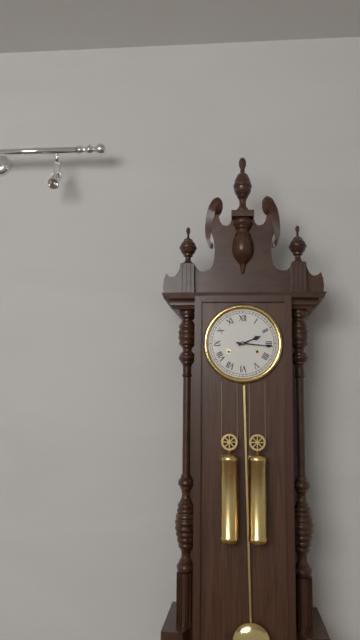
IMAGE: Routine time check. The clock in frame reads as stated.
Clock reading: 2:16
